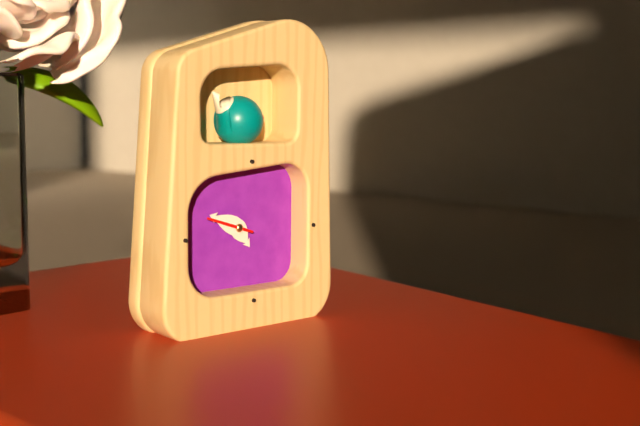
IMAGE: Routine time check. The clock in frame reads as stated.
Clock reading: 4:49
